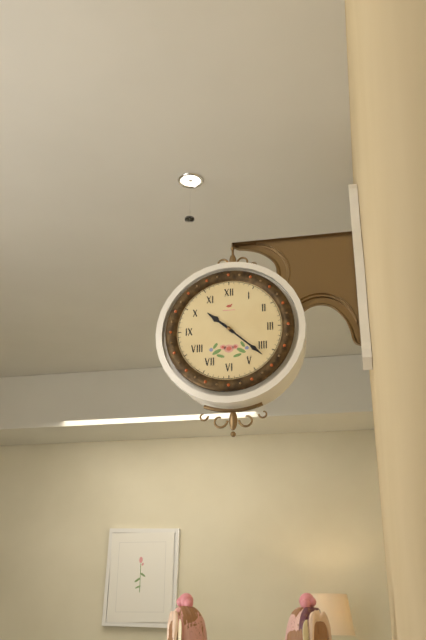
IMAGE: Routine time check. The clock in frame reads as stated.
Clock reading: 10:22
